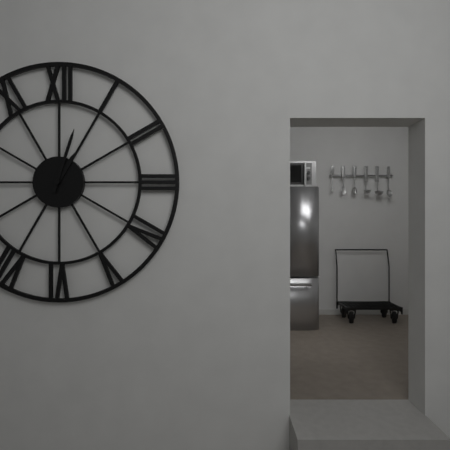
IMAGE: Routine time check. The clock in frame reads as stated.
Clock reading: 1:03
